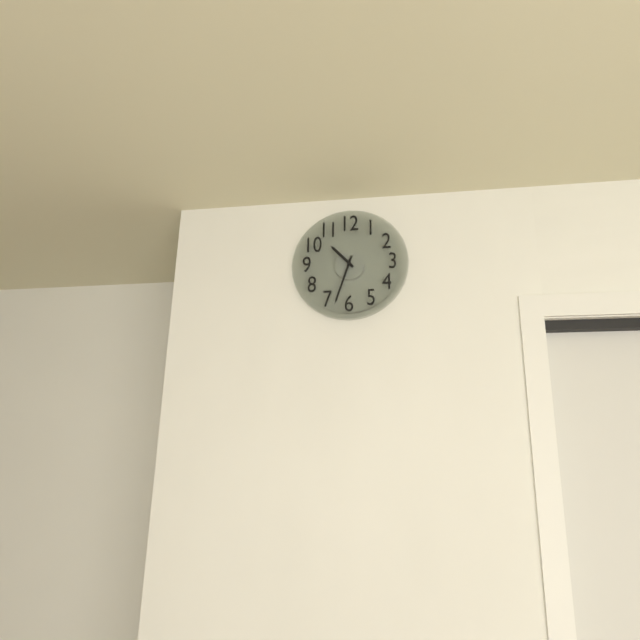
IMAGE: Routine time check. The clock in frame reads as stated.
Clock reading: 10:33
